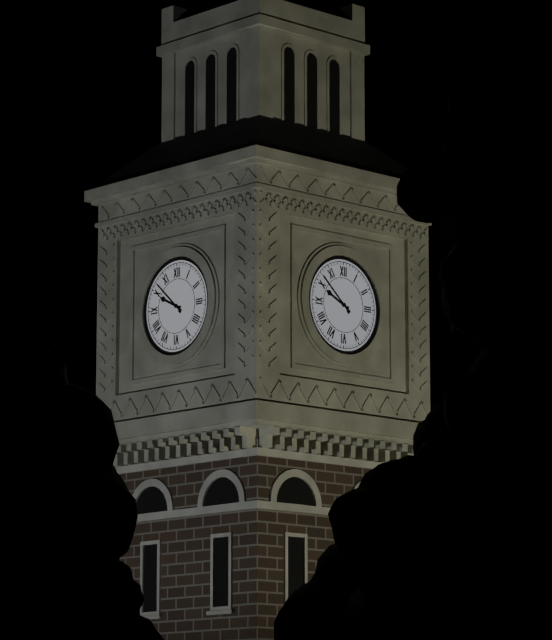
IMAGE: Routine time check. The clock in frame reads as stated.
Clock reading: 9:52
